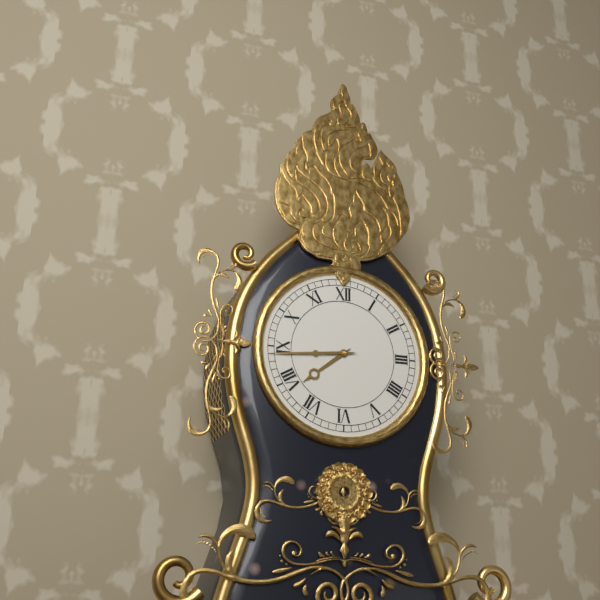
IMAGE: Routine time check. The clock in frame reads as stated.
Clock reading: 7:44
